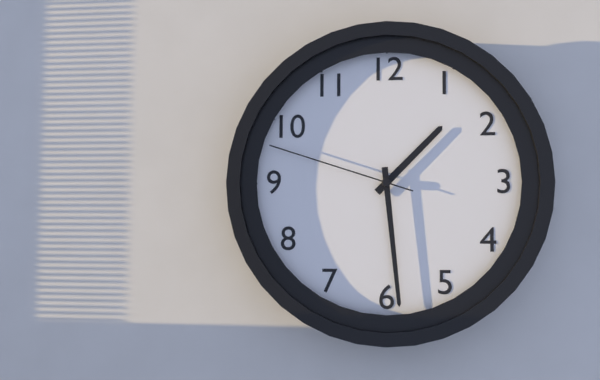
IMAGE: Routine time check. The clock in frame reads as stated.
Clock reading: 1:29:48
